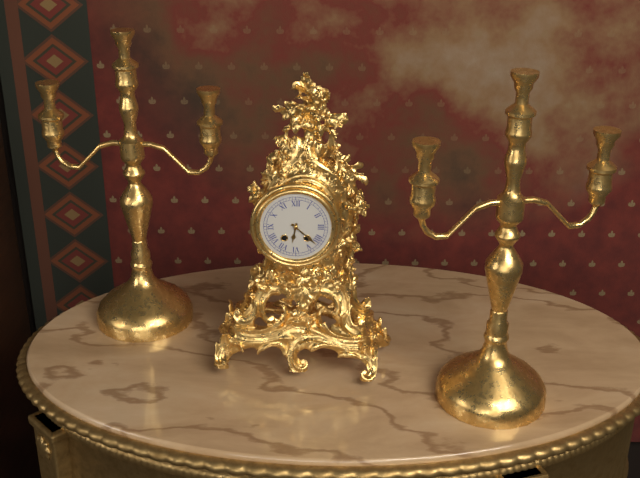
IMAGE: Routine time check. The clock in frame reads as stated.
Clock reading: 6:22
